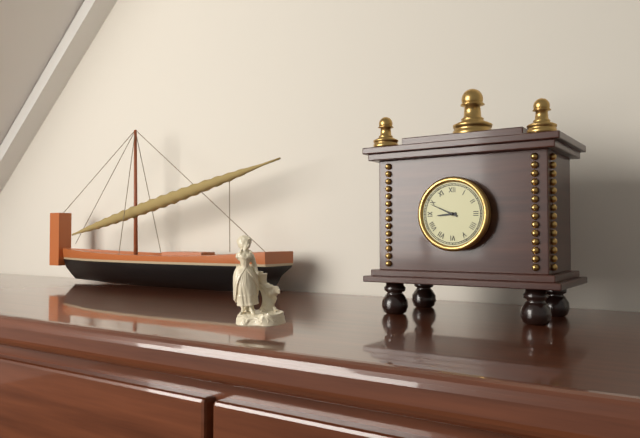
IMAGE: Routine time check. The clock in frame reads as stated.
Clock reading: 8:49
